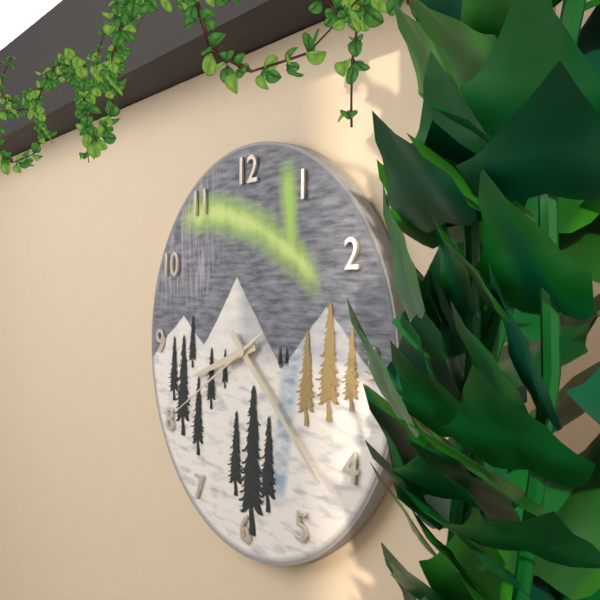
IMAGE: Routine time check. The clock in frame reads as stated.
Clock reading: 8:22:40
